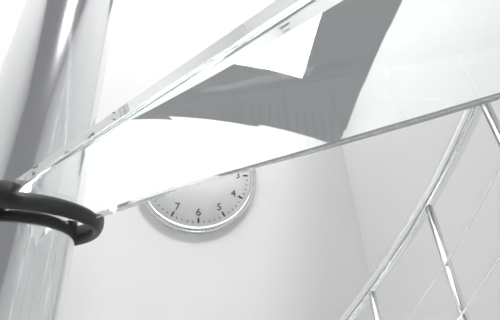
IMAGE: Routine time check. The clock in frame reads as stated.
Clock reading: 2:09
